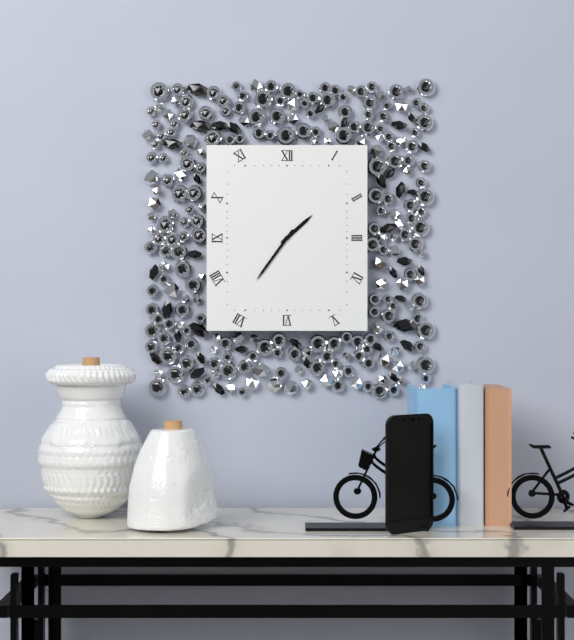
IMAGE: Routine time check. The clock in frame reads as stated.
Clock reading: 1:36
